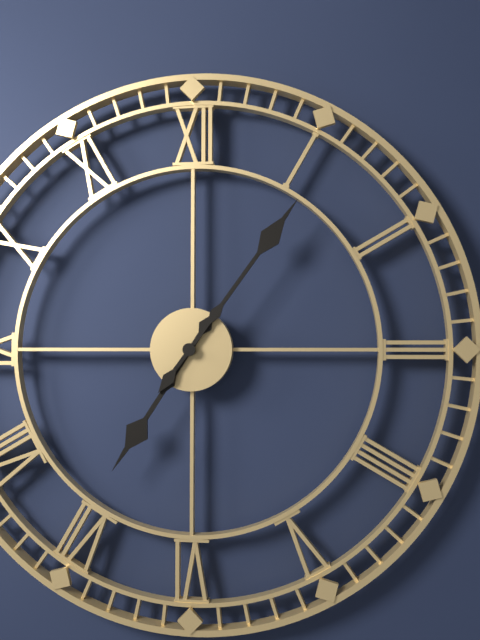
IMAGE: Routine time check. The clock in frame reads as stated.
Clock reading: 7:06
